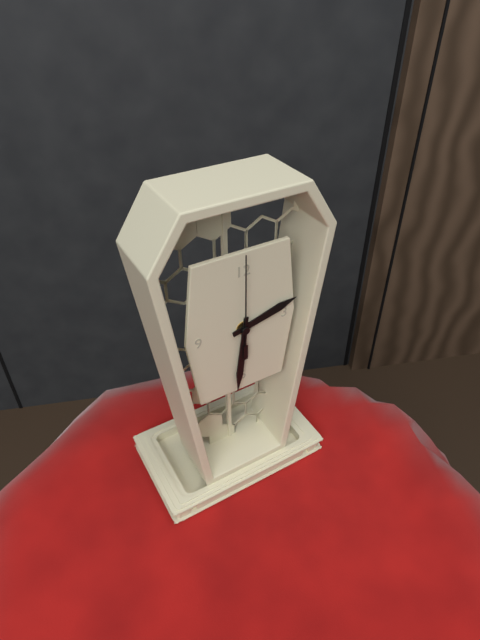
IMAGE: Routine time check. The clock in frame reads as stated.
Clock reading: 2:31:00
